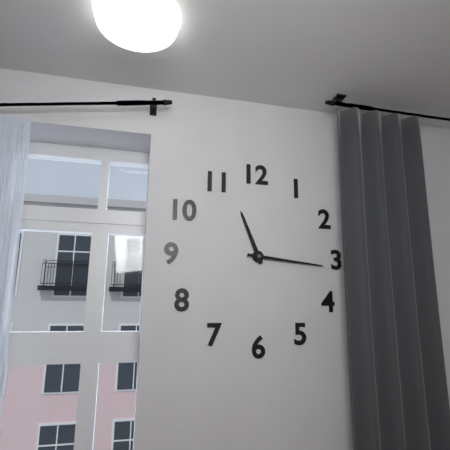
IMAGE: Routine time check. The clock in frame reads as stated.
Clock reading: 11:16
